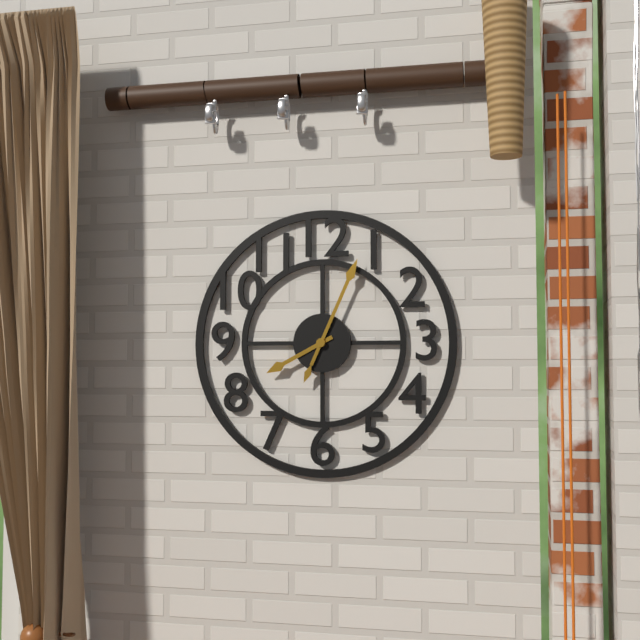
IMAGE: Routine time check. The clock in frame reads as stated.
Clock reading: 8:04
